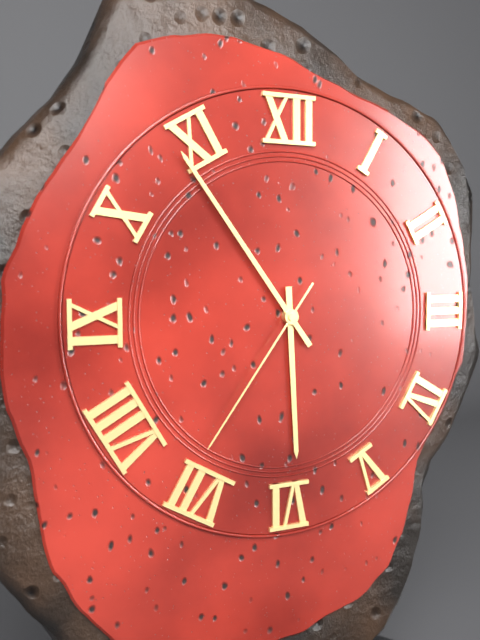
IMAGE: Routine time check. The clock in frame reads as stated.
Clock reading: 5:54:36
